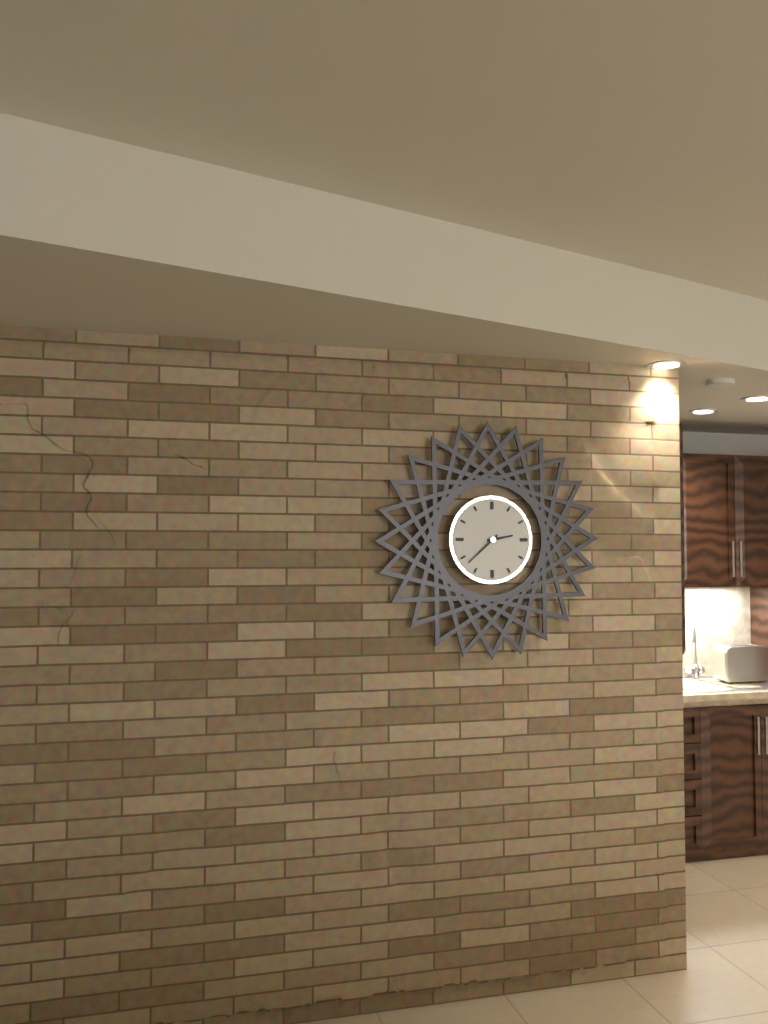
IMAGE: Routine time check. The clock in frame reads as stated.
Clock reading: 2:38
